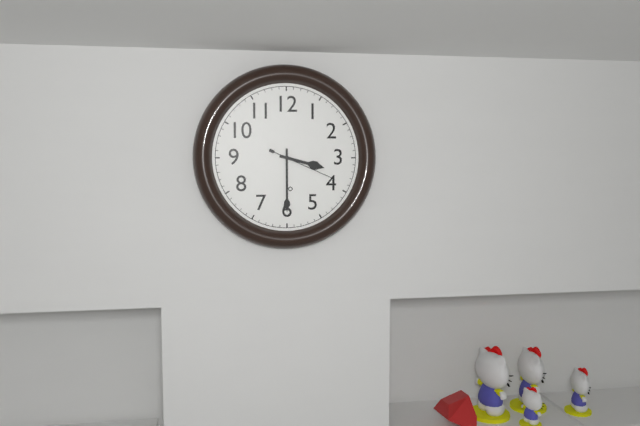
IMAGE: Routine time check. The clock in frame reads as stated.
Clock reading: 3:30:19
